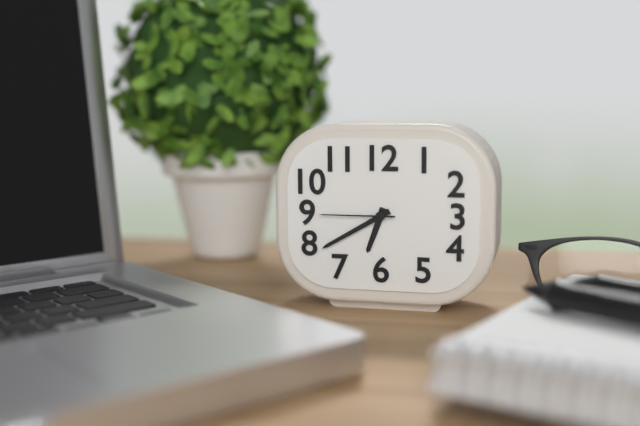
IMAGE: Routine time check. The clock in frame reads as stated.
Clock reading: 6:40:45
